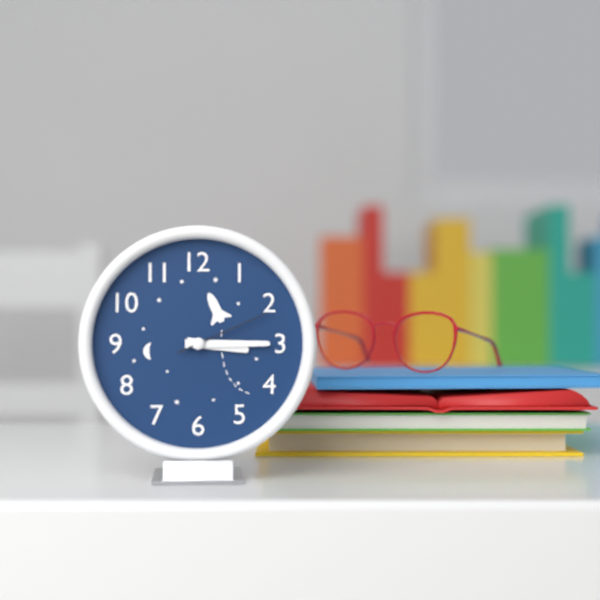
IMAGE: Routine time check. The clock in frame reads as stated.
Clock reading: 3:15:11
